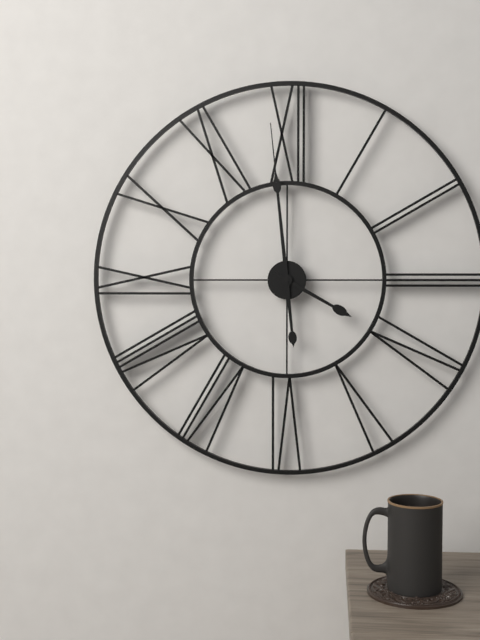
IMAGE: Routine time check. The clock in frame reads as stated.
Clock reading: 3:59
